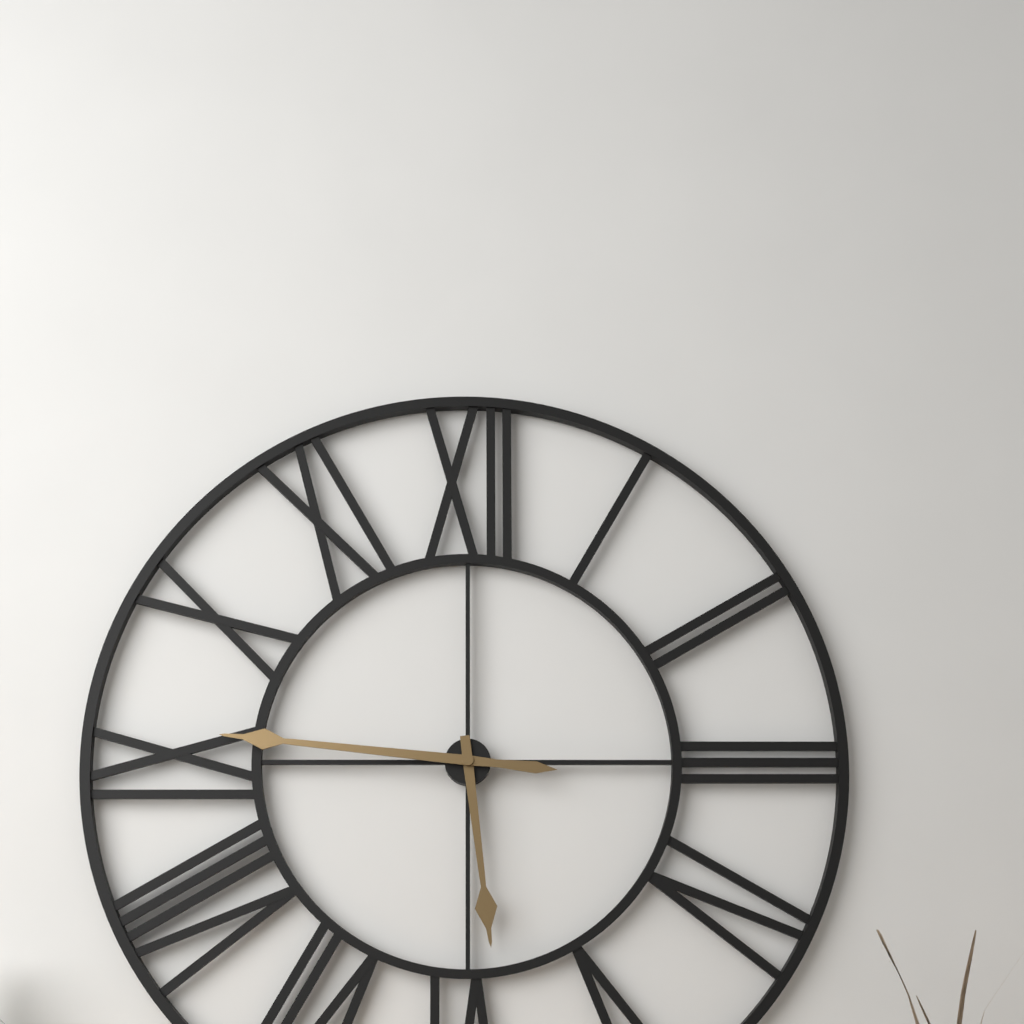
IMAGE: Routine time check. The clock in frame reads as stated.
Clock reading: 5:46
